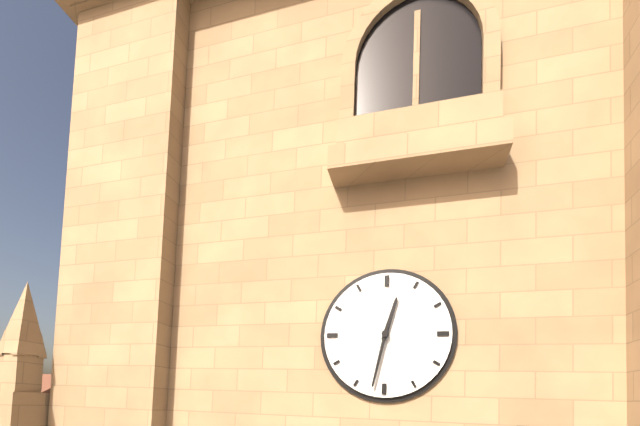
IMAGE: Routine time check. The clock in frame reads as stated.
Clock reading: 12:32
